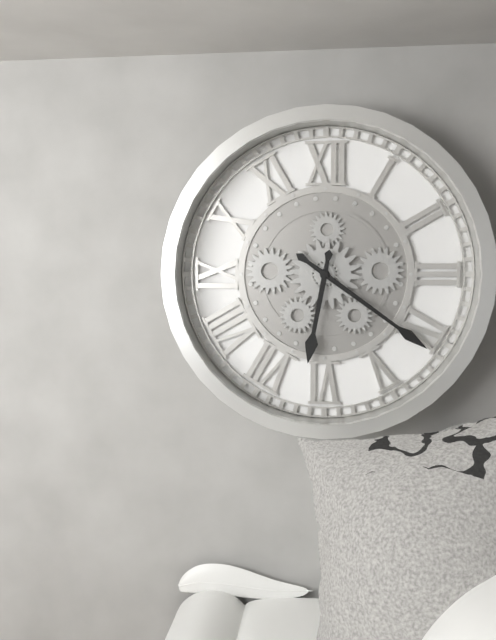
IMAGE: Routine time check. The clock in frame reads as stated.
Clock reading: 6:21
